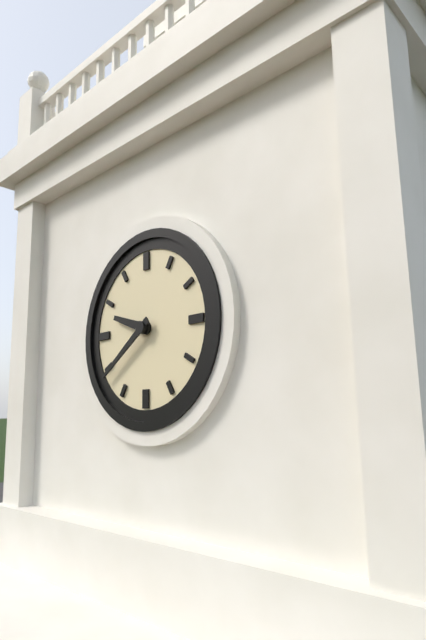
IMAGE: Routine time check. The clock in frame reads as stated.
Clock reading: 9:39
